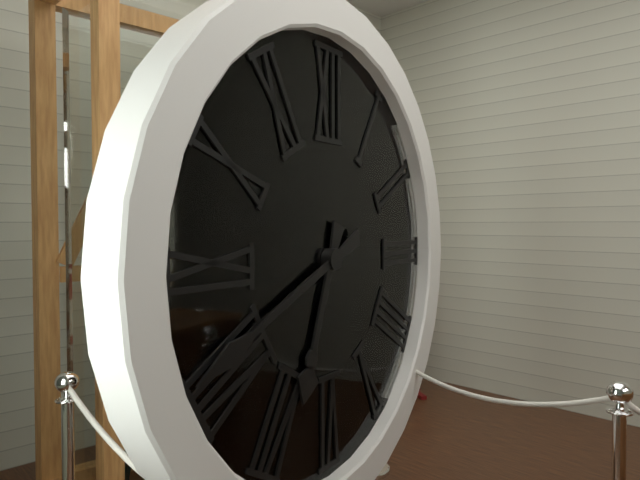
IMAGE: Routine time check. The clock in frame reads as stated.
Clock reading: 6:41
